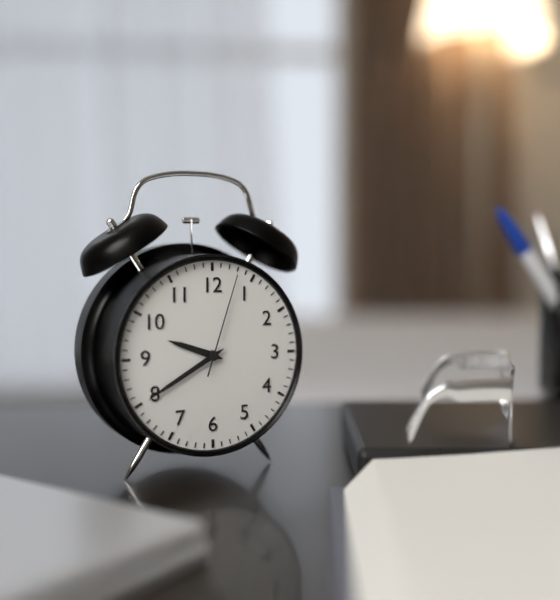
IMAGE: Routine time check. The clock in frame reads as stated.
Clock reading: 9:40:03
